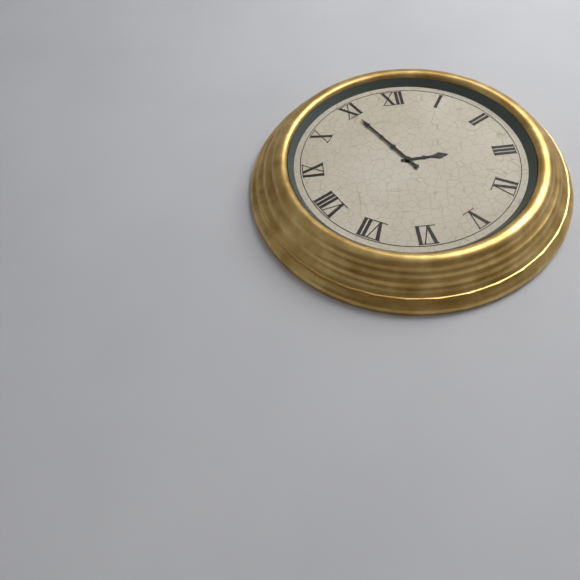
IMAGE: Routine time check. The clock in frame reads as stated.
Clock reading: 2:55
